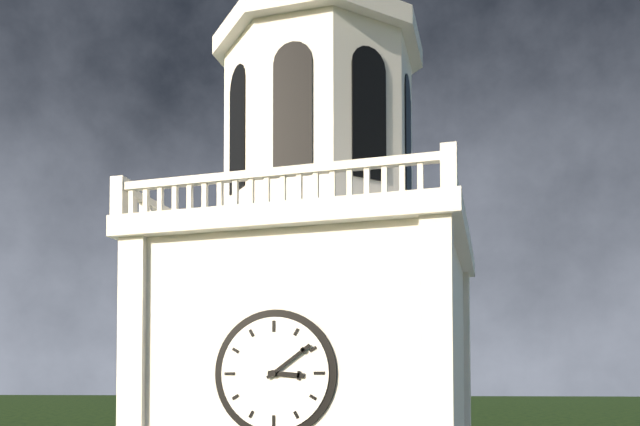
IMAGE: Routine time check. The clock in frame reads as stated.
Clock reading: 3:09
